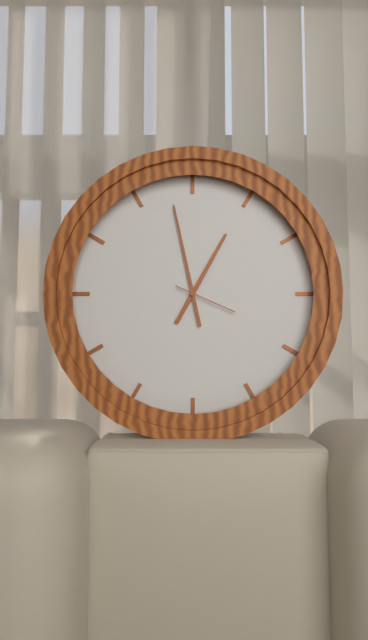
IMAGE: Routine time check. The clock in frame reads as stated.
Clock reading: 12:58:19
